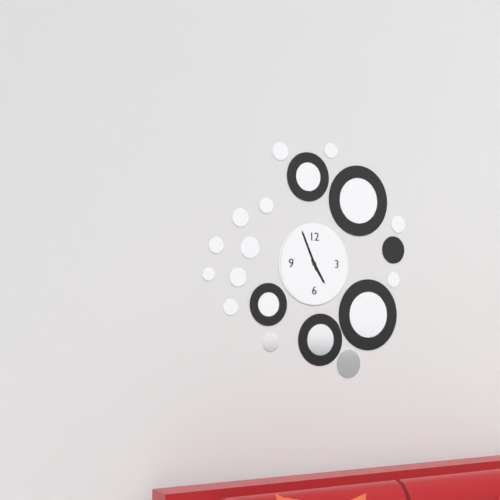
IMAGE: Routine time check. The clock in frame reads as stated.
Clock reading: 4:56
